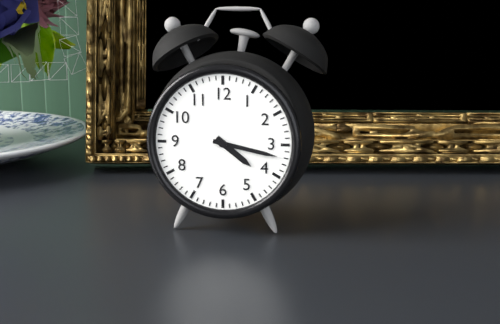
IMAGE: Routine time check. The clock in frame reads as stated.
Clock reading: 4:17
